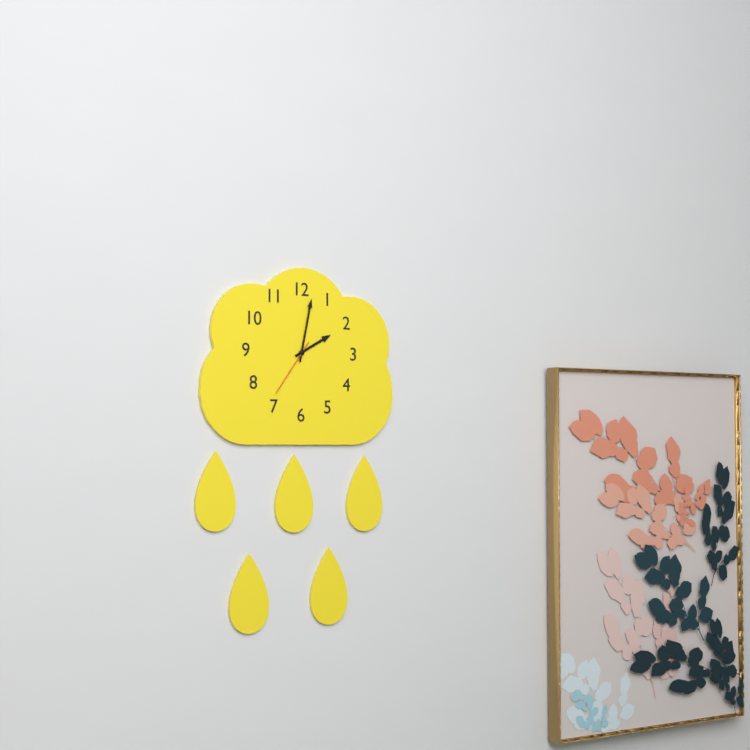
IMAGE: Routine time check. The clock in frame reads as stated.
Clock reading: 2:02:36
